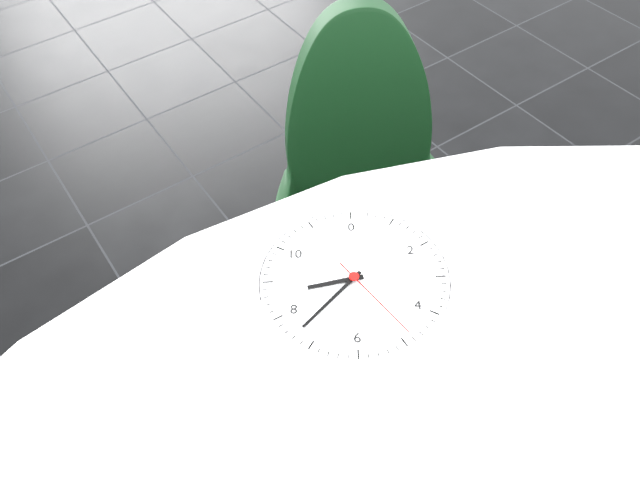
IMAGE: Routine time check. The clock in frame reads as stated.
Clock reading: 8:37:24
